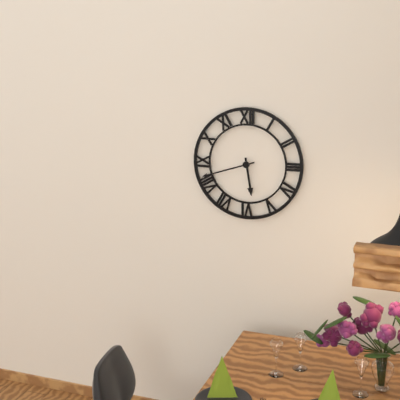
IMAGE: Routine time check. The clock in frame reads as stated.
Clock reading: 5:42
